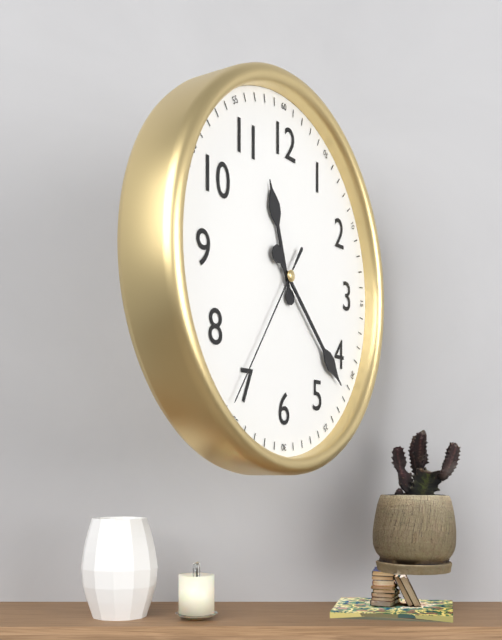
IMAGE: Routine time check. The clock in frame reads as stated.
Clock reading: 11:22:36
